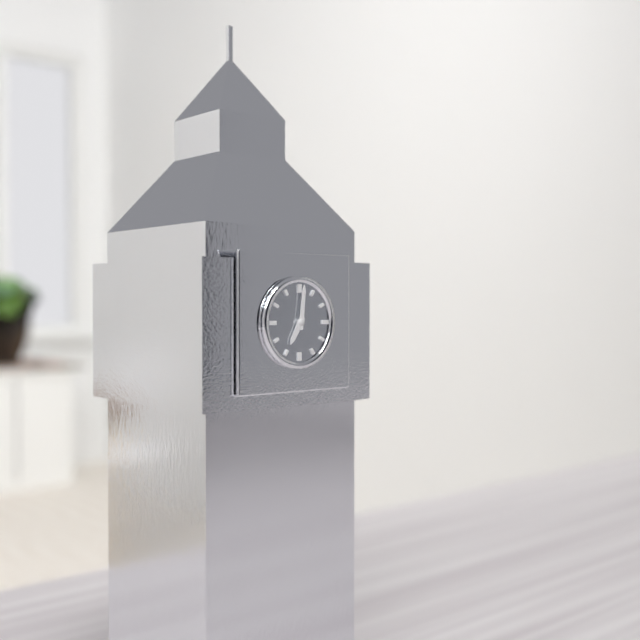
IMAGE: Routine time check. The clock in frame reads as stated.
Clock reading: 7:01
